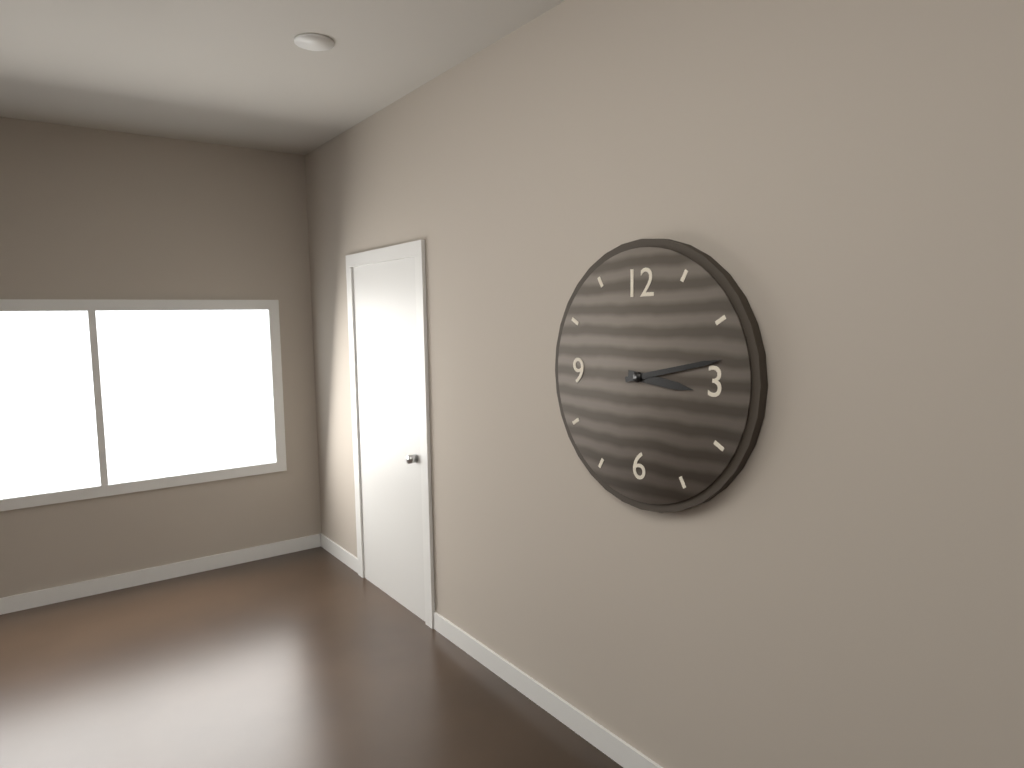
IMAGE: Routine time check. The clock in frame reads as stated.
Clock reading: 3:13
